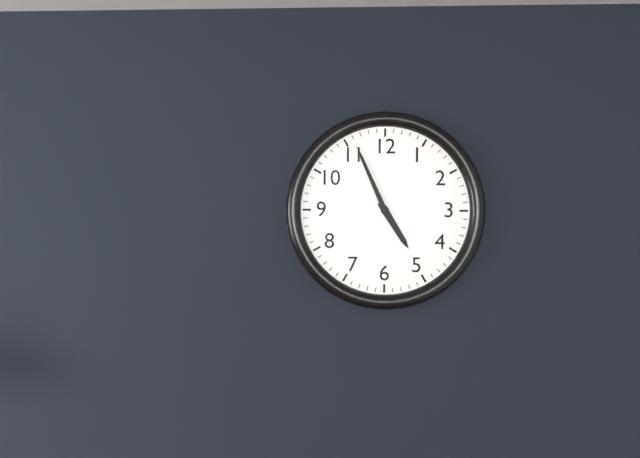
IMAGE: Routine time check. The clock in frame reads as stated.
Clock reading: 4:56
